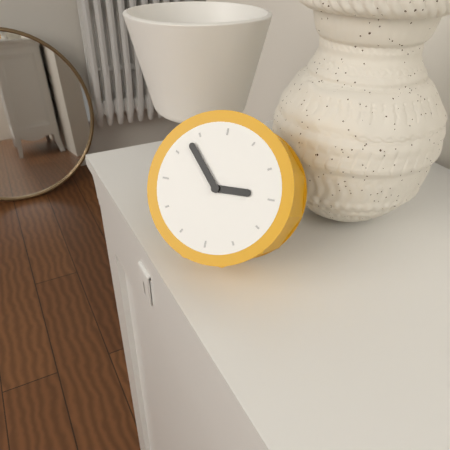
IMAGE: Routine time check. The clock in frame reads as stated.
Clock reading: 2:53
